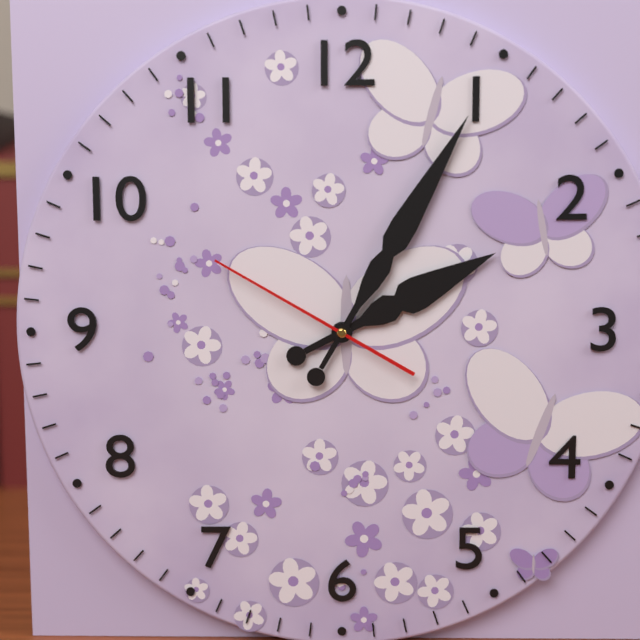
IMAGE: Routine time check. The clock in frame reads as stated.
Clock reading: 2:05:50
